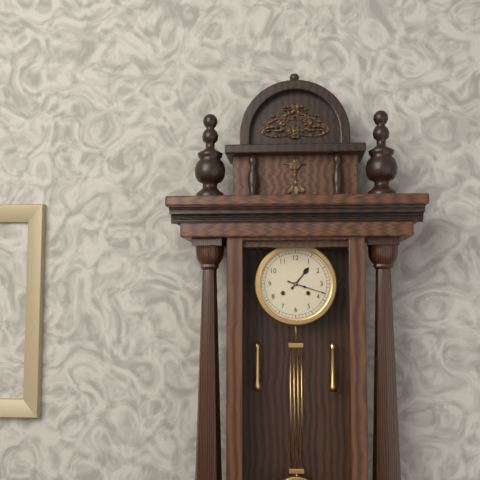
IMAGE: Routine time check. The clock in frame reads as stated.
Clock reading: 1:18
